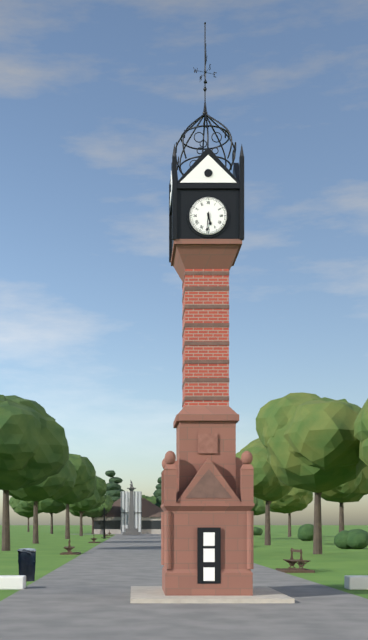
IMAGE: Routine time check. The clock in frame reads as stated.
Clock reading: 5:31
